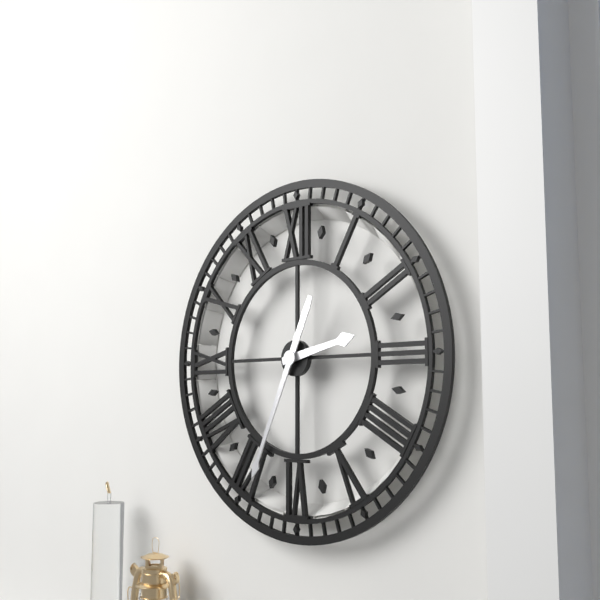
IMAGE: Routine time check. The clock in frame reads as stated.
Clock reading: 2:34
